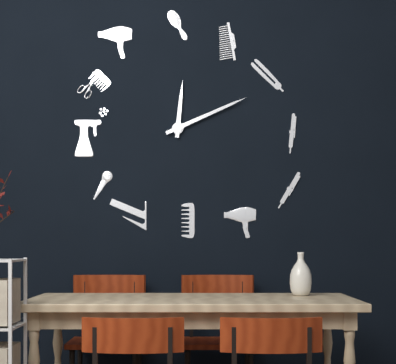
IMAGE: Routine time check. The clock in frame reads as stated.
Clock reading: 12:11
